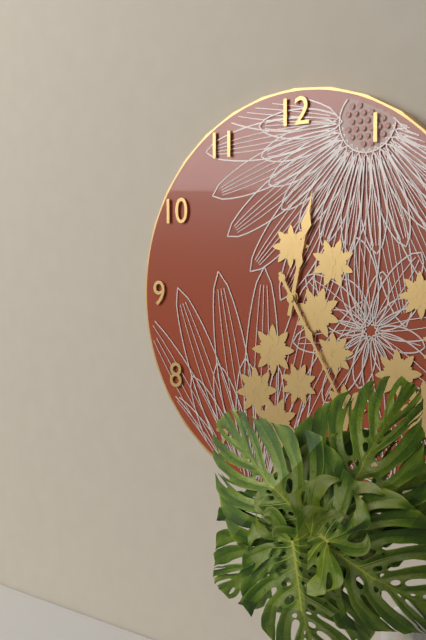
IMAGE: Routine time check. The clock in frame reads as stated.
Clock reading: 12:25
